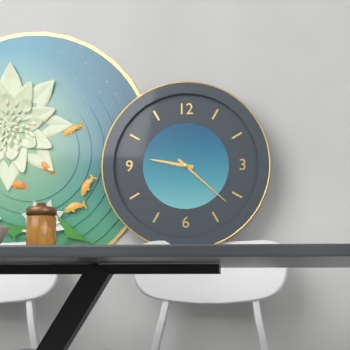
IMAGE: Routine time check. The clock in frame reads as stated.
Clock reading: 9:22
